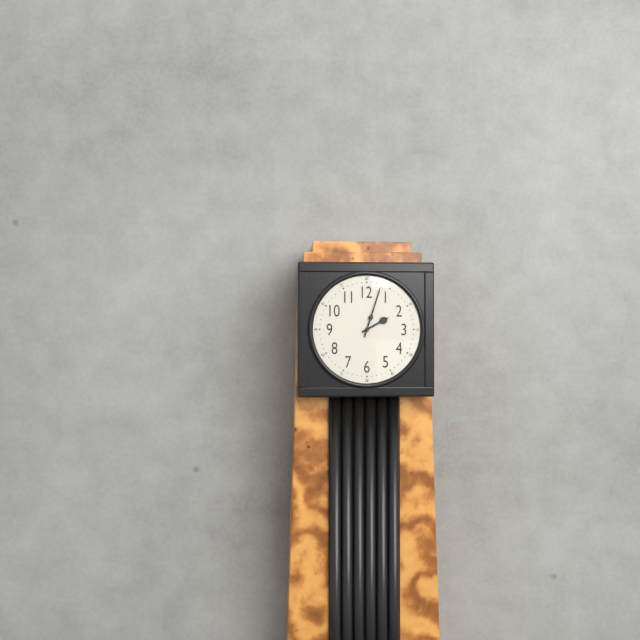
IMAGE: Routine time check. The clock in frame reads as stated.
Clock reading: 2:03
